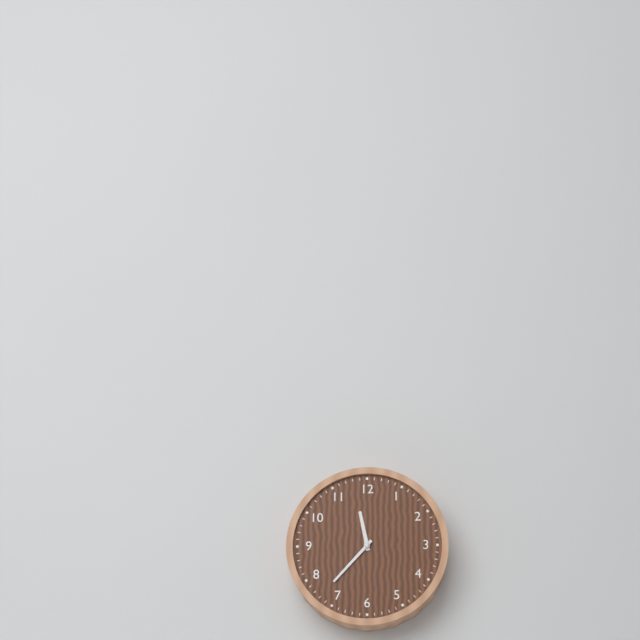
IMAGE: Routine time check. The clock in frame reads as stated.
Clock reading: 11:37
